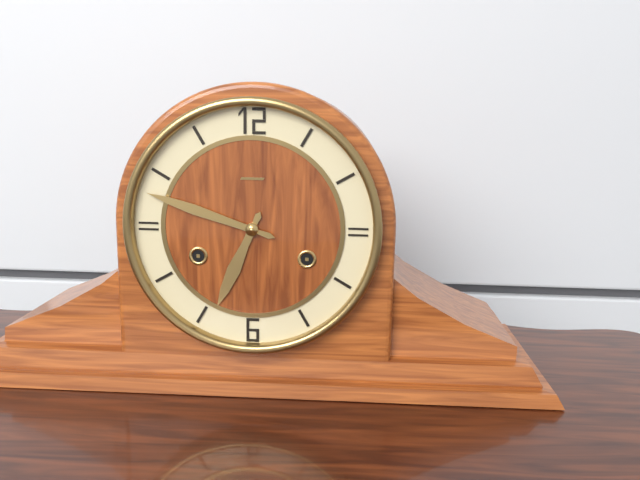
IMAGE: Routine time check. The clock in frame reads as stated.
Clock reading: 6:48
